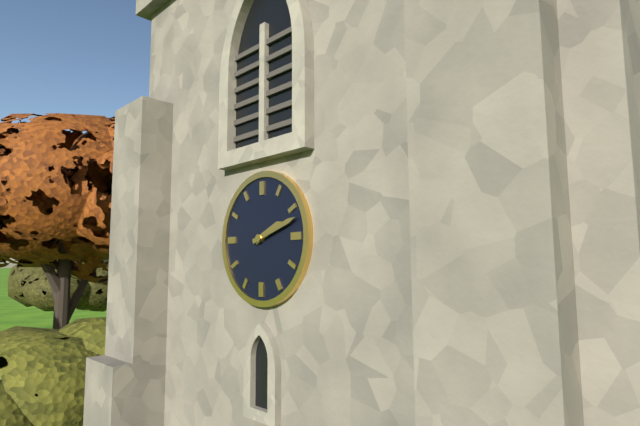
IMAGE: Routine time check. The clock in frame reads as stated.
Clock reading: 2:12
